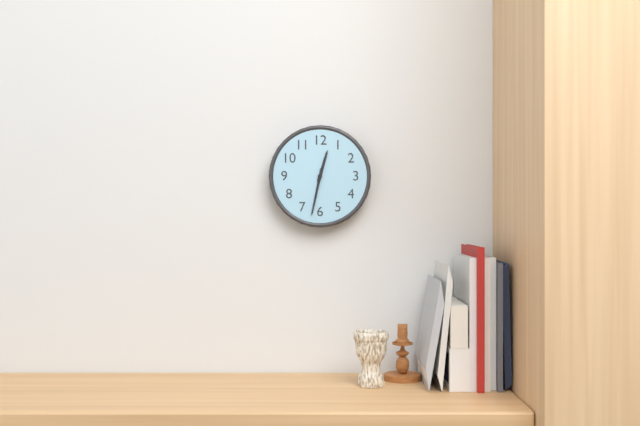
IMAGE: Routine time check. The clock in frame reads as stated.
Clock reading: 12:32
